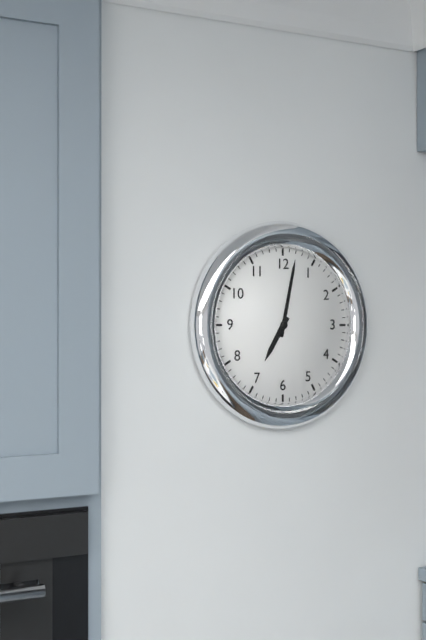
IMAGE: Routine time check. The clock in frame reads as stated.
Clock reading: 7:02
